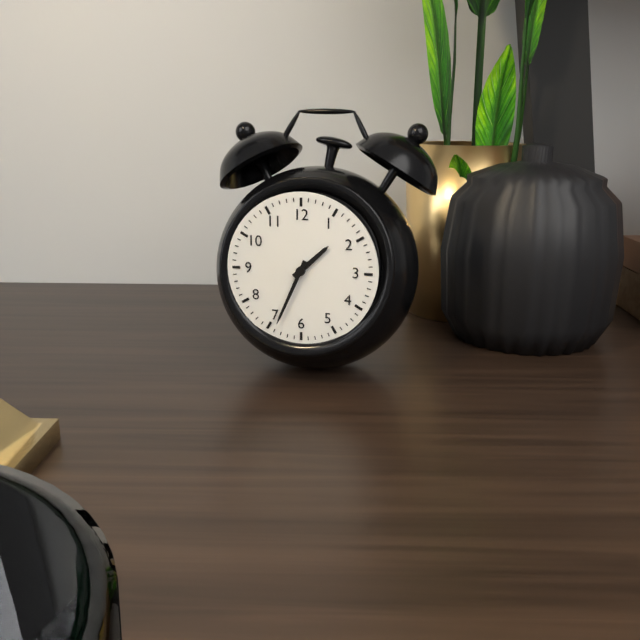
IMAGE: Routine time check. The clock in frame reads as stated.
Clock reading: 1:34
